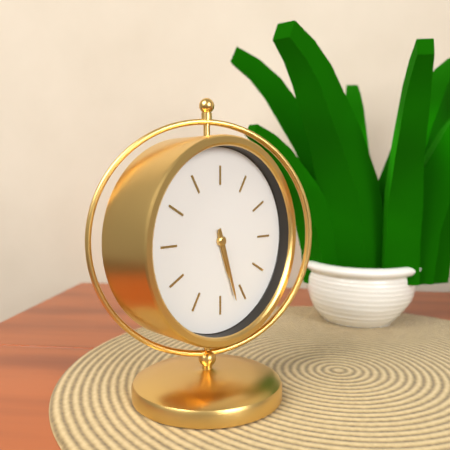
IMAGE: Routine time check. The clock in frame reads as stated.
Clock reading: 5:27
